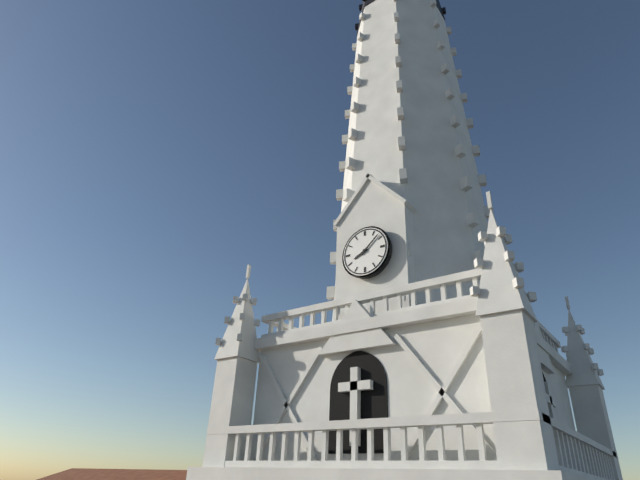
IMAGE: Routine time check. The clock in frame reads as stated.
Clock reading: 8:08
